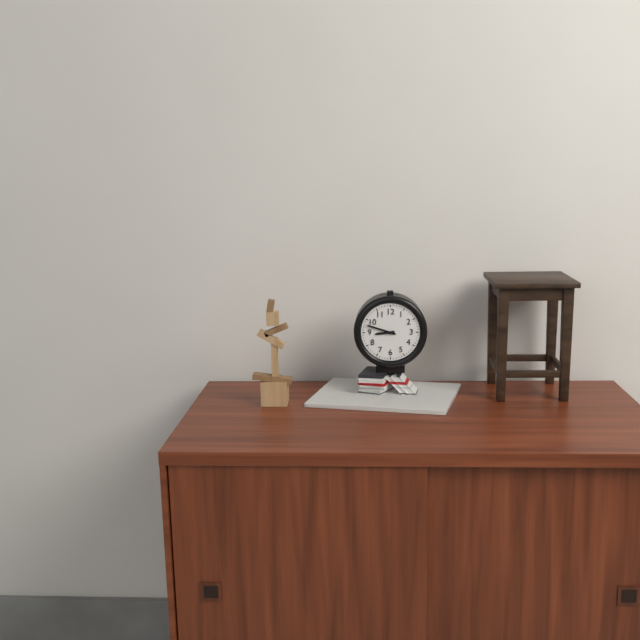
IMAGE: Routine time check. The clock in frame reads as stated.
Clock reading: 8:48
